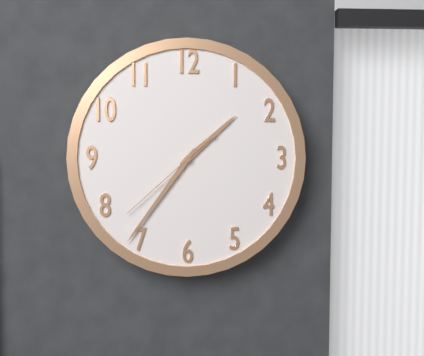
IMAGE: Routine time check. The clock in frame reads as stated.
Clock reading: 1:36:38
